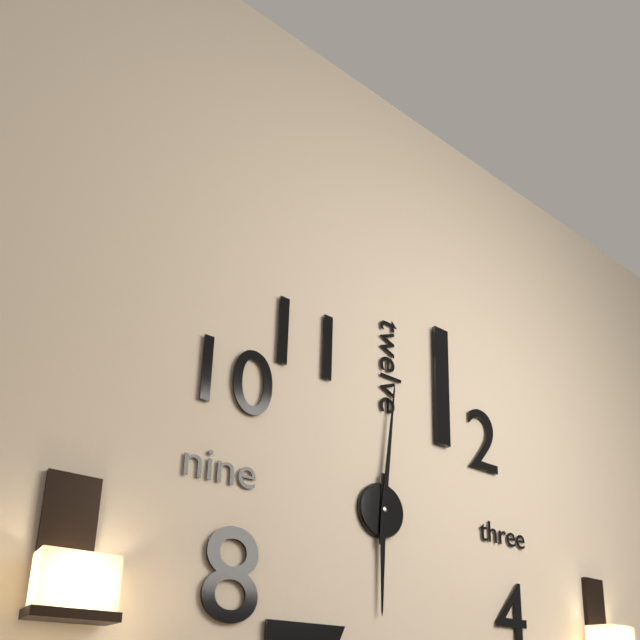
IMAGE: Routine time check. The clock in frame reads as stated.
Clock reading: 6:01
